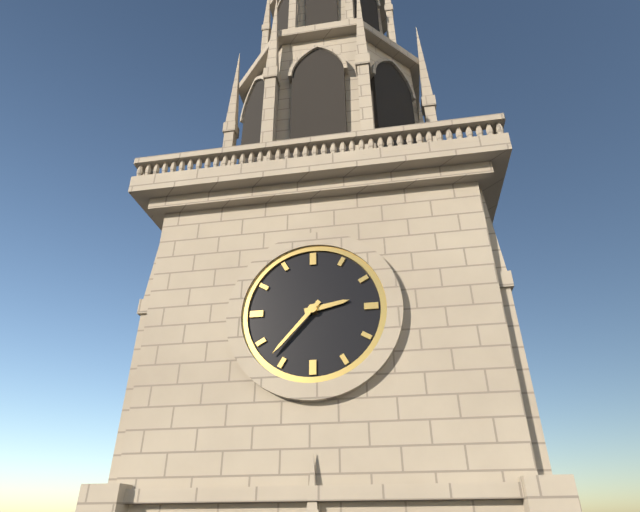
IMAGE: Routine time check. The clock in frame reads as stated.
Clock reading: 2:37
